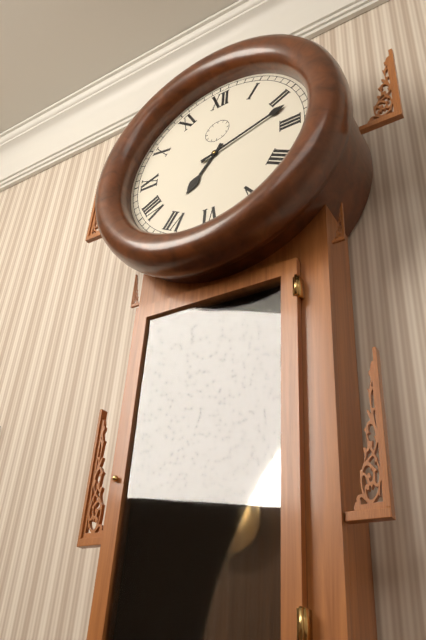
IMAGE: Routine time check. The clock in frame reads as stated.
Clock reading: 7:12
